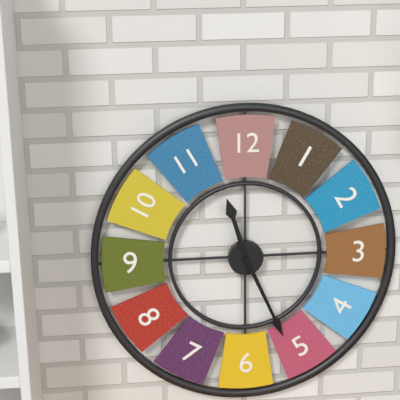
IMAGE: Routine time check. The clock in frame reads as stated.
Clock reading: 11:26
